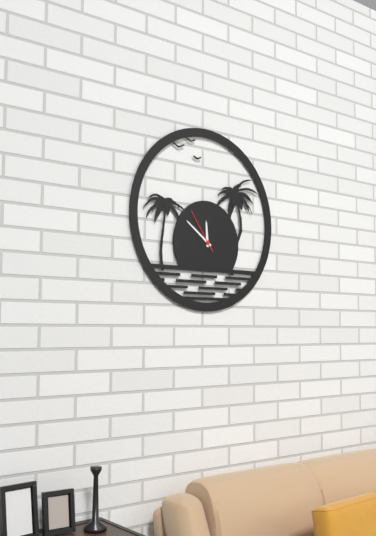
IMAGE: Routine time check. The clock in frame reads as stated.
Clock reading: 11:51
